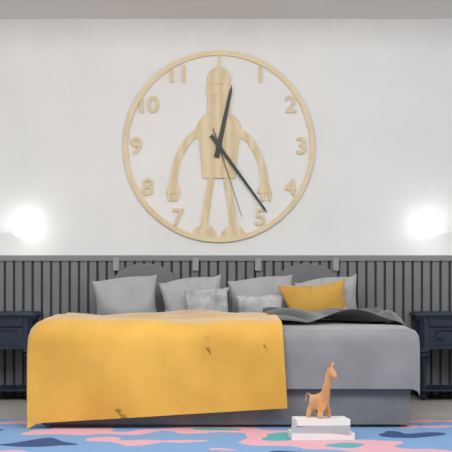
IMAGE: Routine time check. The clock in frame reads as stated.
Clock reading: 12:24:27
